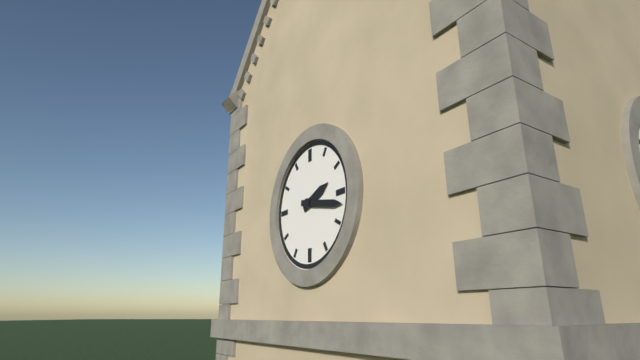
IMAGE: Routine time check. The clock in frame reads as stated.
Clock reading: 2:17
